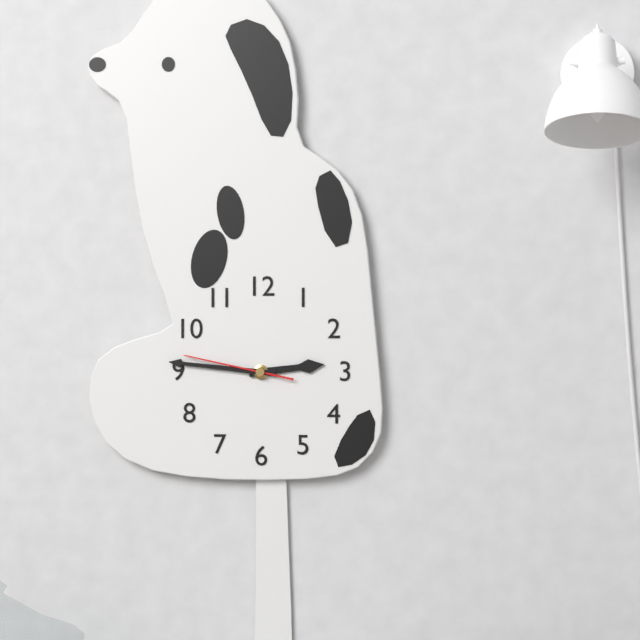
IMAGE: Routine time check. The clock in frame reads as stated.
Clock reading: 2:46:47
